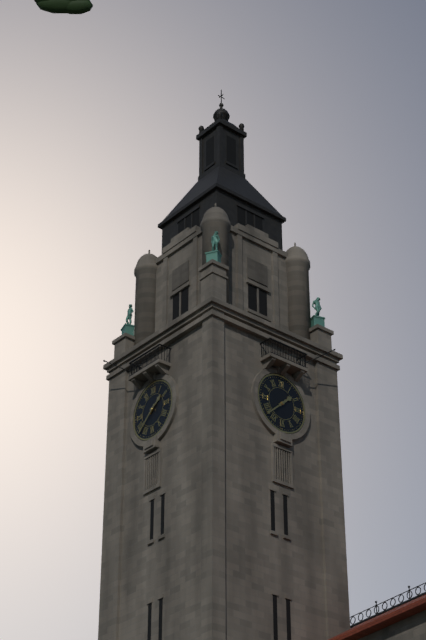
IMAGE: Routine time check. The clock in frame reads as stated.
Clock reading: 1:38
